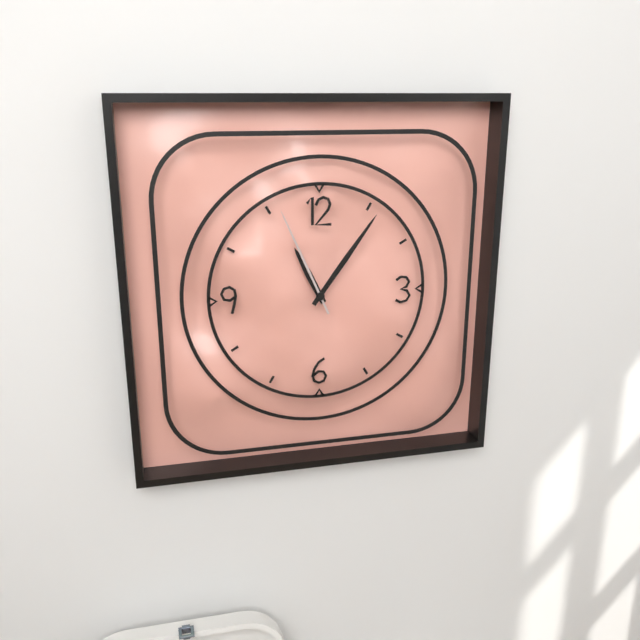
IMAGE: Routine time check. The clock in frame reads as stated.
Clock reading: 11:06:56
